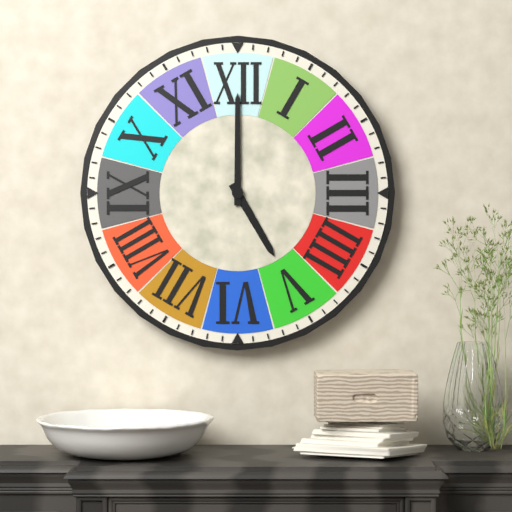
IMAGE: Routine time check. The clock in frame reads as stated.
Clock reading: 5:00
